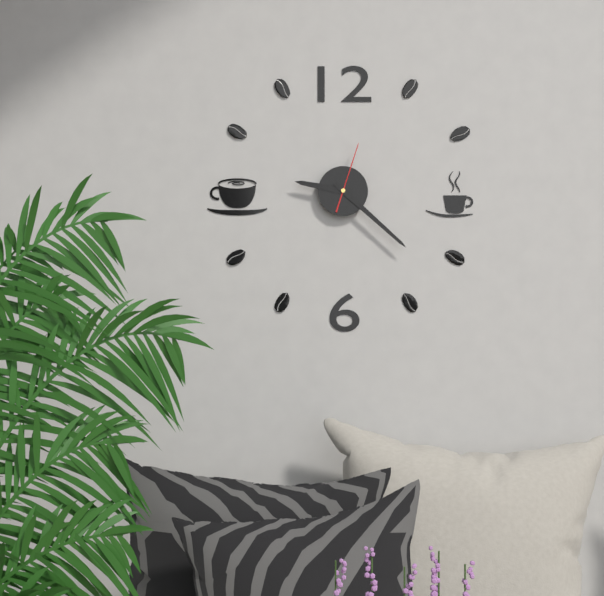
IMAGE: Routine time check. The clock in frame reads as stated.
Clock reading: 9:22:03
